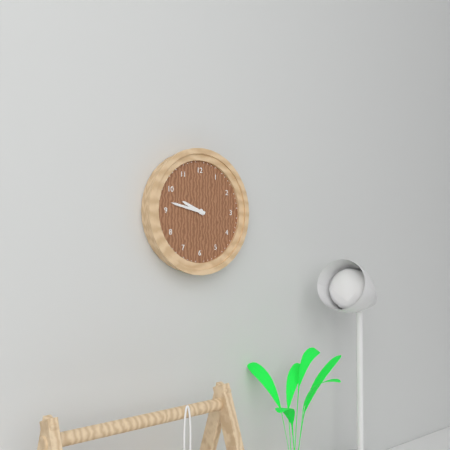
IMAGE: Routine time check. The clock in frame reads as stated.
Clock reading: 9:47
